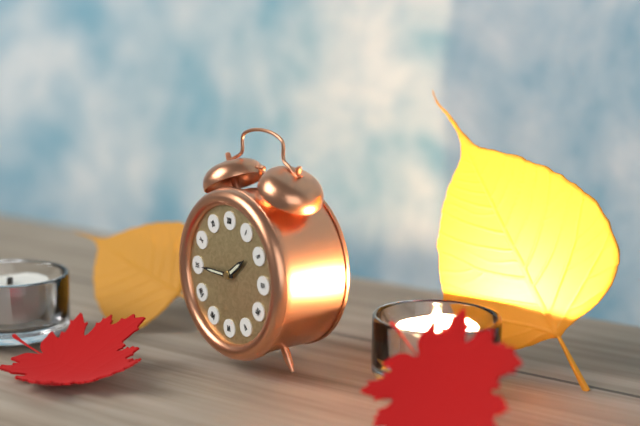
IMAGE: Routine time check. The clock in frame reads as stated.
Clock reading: 1:45
